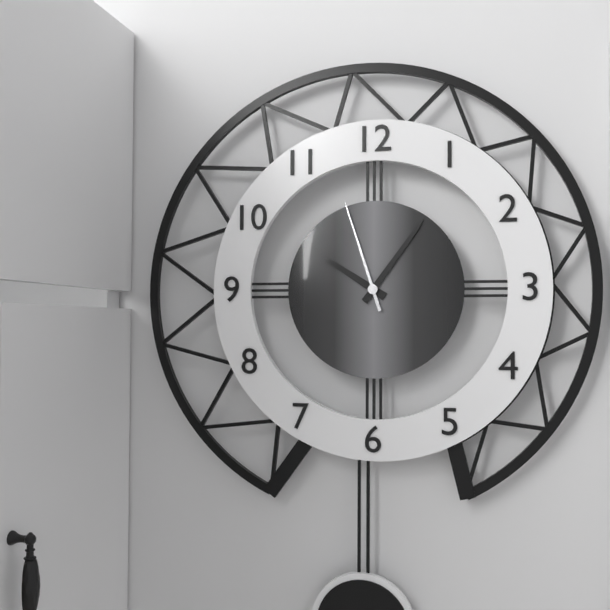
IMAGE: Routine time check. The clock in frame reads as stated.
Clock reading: 10:06:57
